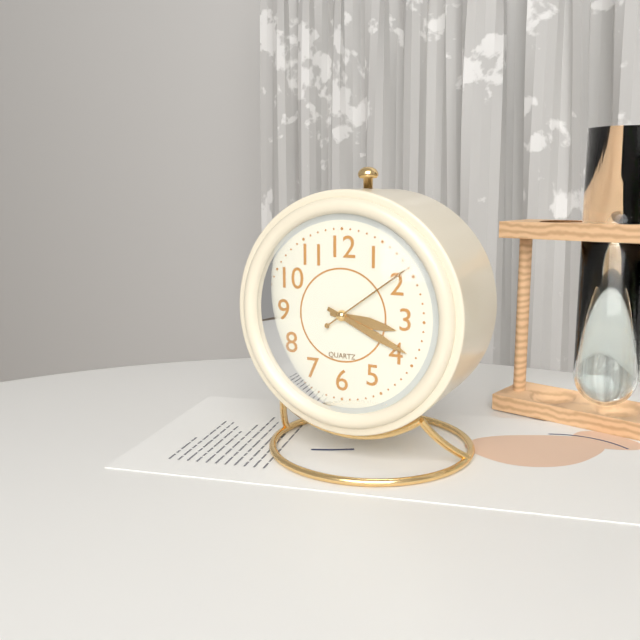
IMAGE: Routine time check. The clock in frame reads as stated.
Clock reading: 3:19:09
